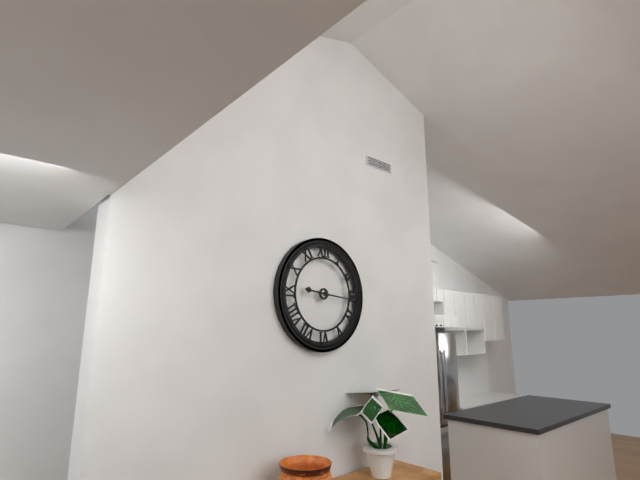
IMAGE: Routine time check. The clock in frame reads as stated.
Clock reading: 9:16
